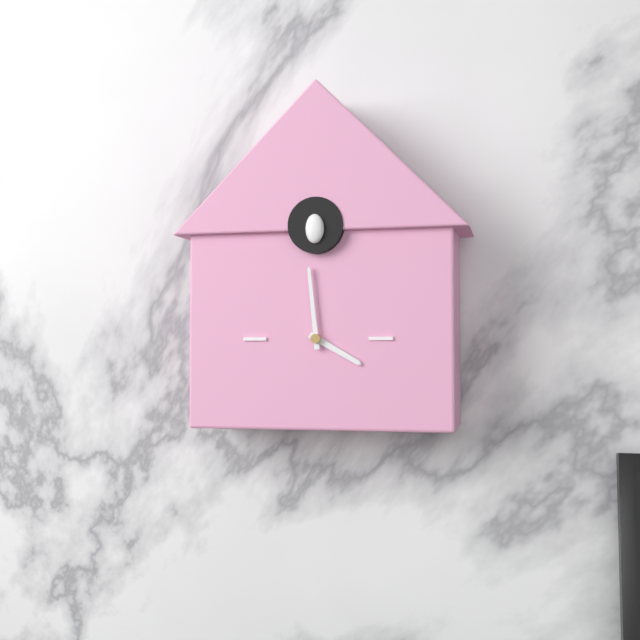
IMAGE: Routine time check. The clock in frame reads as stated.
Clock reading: 3:59
